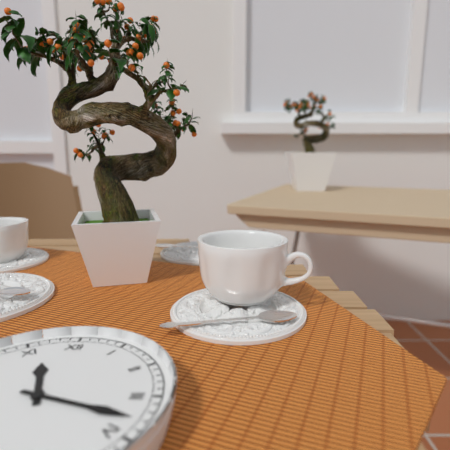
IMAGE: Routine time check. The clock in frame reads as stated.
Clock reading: 11:18
